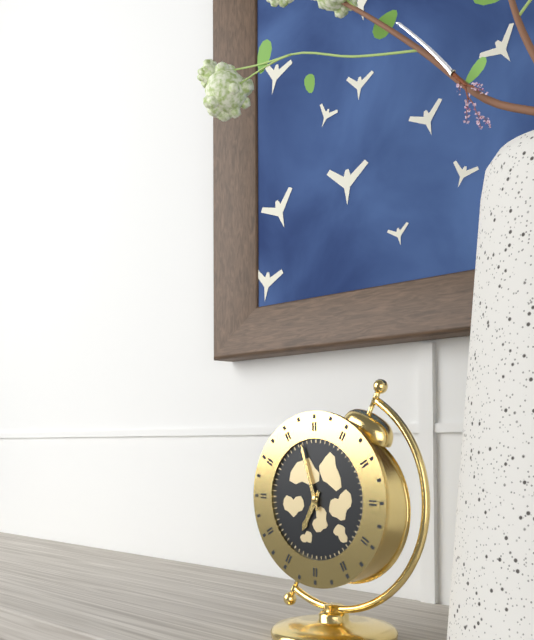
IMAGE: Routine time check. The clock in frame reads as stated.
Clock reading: 6:57
